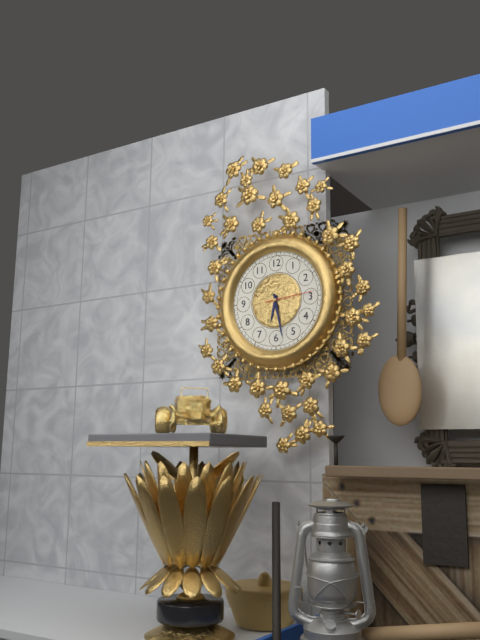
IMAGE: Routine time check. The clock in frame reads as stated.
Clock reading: 6:28:14
